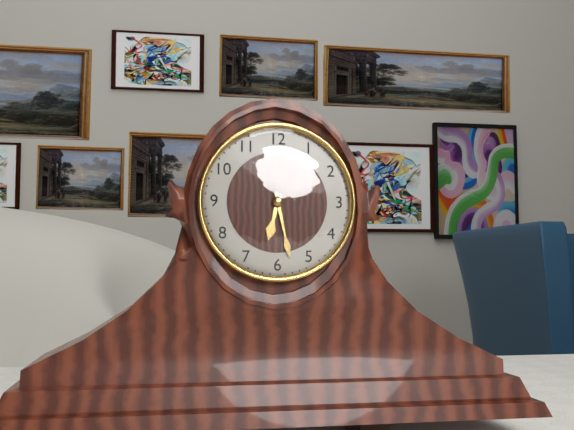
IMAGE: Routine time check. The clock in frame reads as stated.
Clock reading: 6:28
